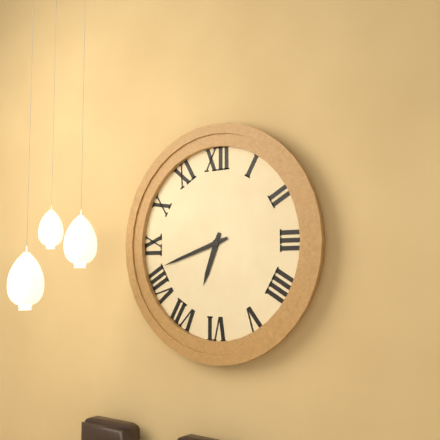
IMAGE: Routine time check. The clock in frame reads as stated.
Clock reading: 6:42
